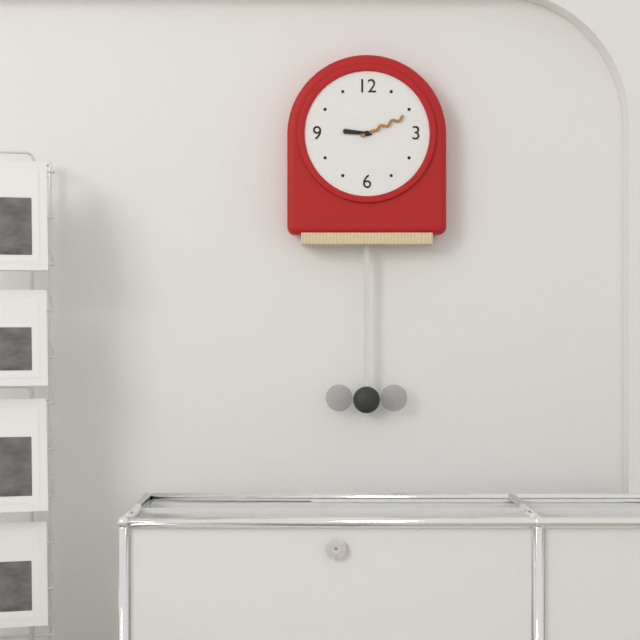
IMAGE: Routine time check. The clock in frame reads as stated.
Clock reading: 9:11
